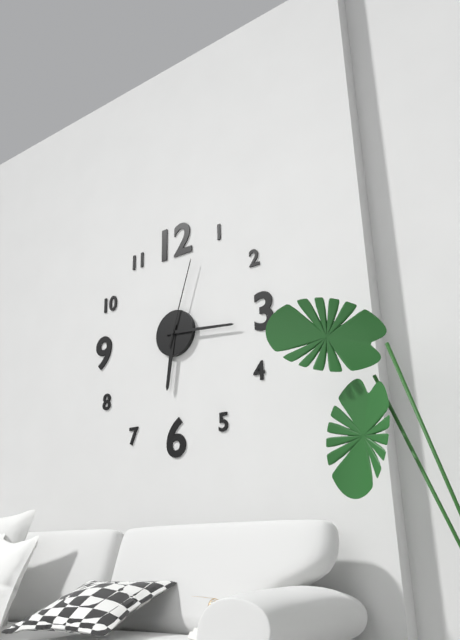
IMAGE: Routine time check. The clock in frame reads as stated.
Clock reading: 6:16:03
